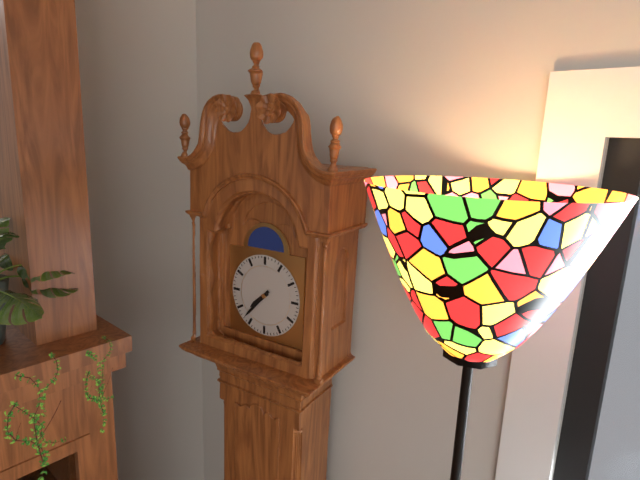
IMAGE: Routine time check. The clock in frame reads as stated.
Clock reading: 7:37
